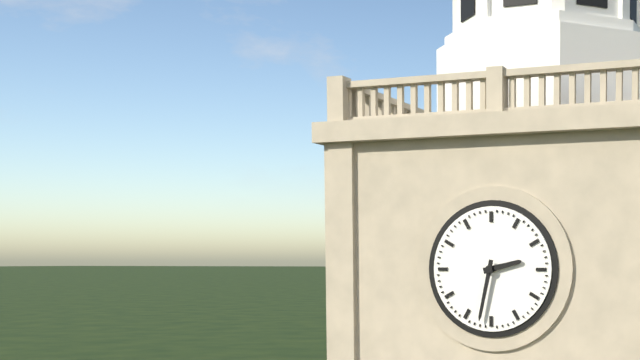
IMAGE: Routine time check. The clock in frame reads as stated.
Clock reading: 2:32
